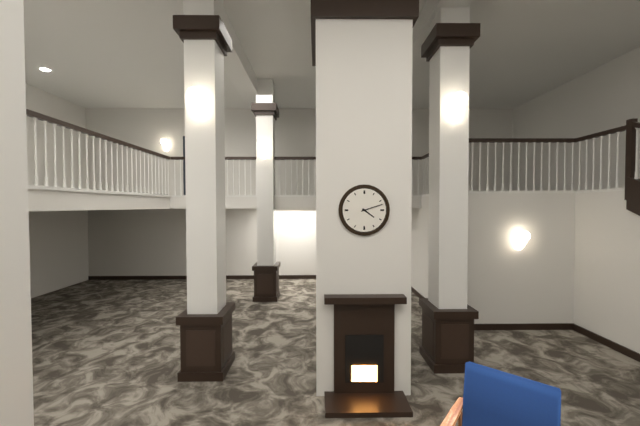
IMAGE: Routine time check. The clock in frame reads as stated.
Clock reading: 4:12
